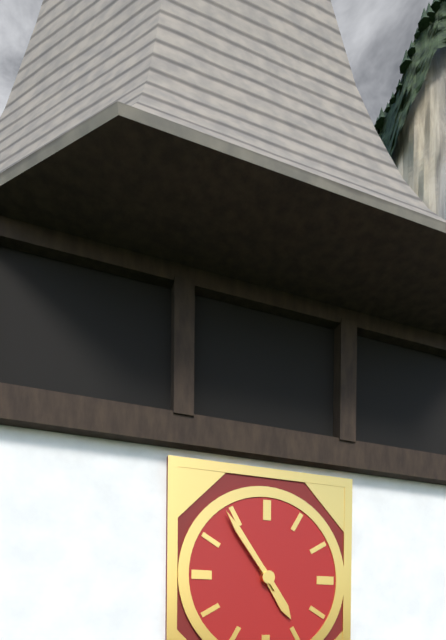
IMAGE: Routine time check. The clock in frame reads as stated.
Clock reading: 4:54
